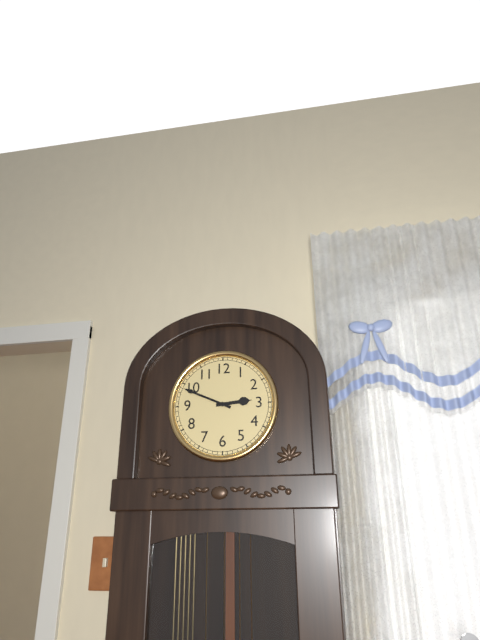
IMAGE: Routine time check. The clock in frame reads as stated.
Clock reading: 2:49
